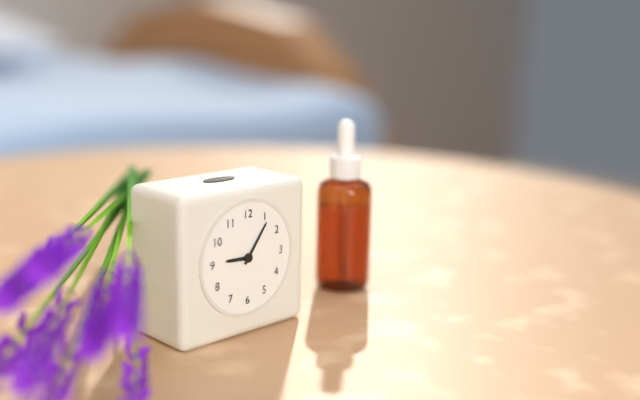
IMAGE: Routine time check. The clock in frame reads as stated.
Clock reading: 9:06
